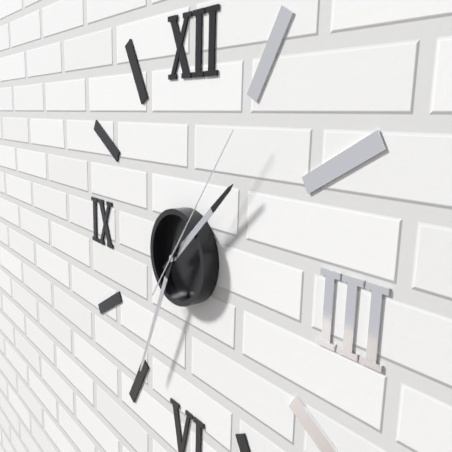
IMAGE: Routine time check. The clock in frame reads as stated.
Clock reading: 1:34:06
